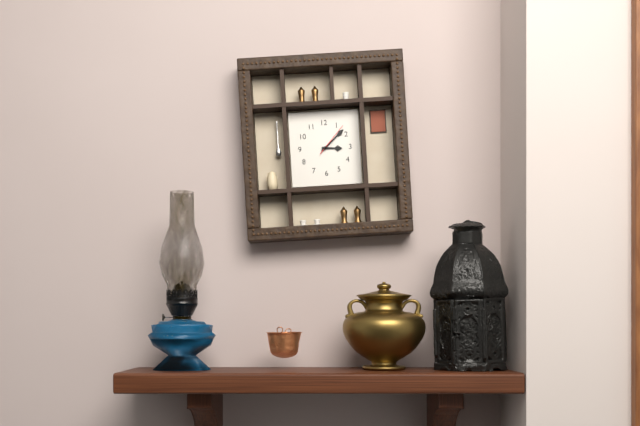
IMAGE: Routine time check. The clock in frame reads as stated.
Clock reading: 3:08
